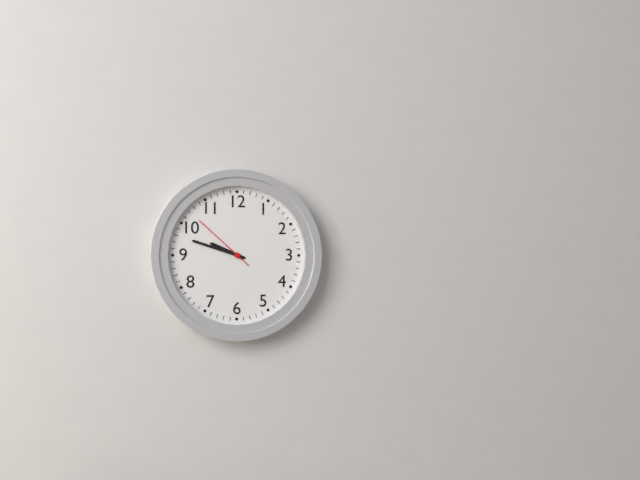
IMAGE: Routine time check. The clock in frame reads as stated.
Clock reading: 9:48:52
